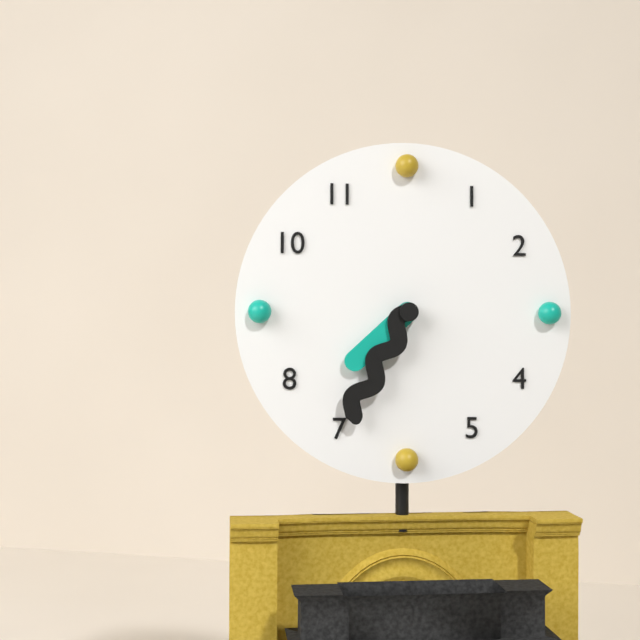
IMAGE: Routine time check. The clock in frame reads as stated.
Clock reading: 7:35
